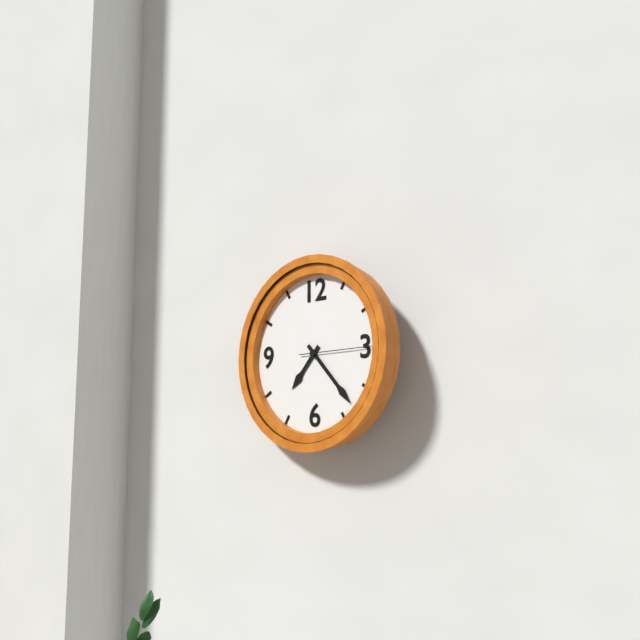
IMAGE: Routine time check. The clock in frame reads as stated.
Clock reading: 7:23:15
